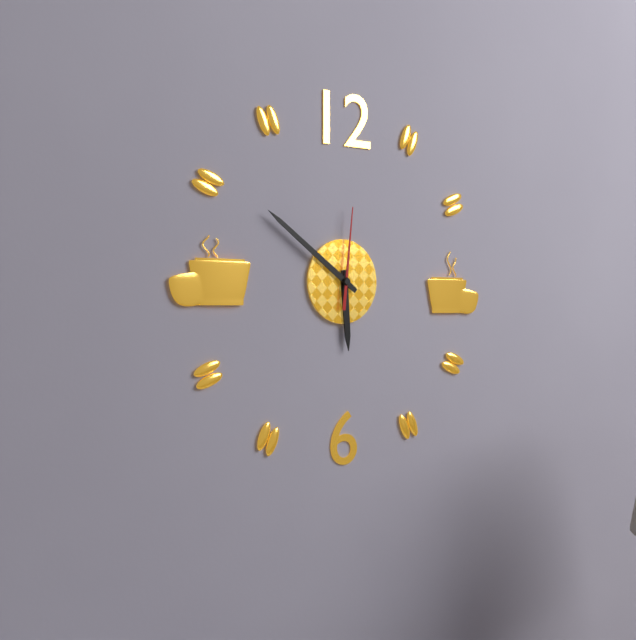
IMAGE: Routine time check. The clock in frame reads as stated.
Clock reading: 5:51:01
